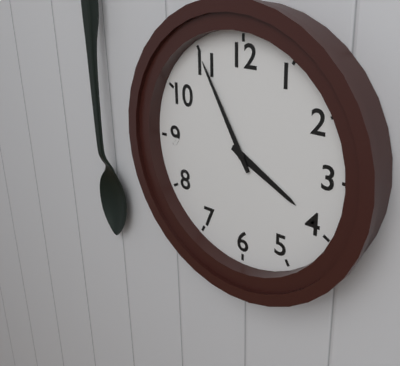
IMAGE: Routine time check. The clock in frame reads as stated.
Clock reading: 3:55
